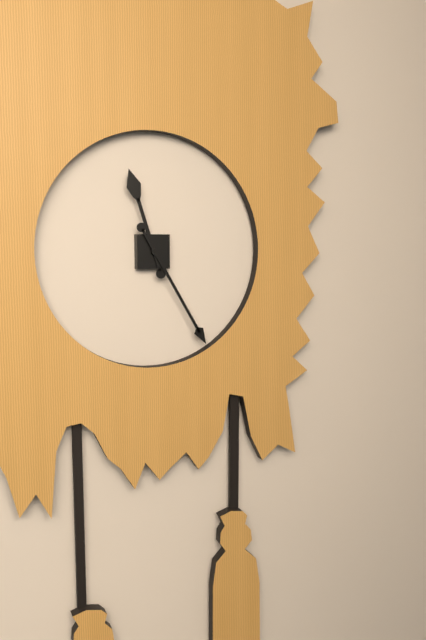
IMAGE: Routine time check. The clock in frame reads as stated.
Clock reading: 11:25
